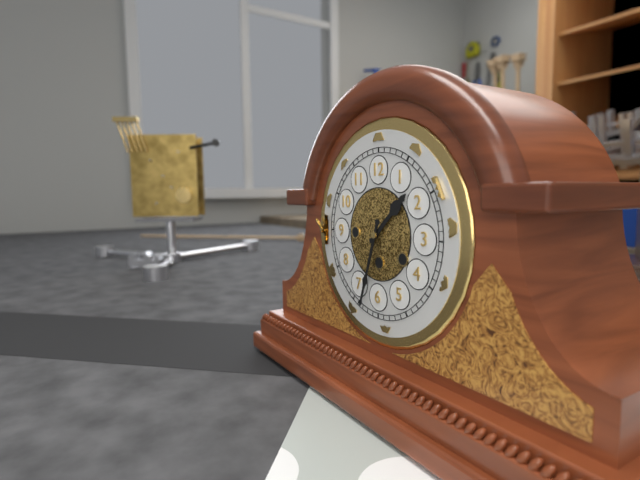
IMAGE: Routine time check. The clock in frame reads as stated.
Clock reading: 1:33
